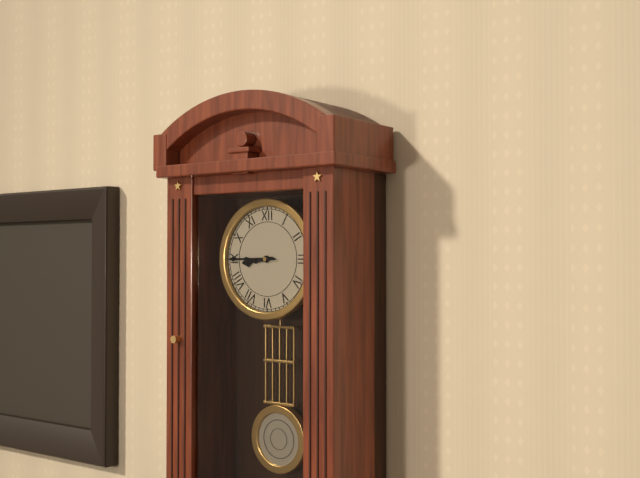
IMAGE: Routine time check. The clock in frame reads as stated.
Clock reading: 8:45
